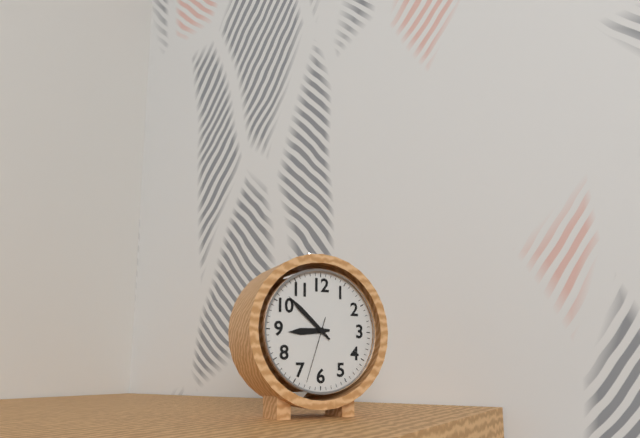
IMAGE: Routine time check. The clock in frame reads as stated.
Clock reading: 8:52:33
